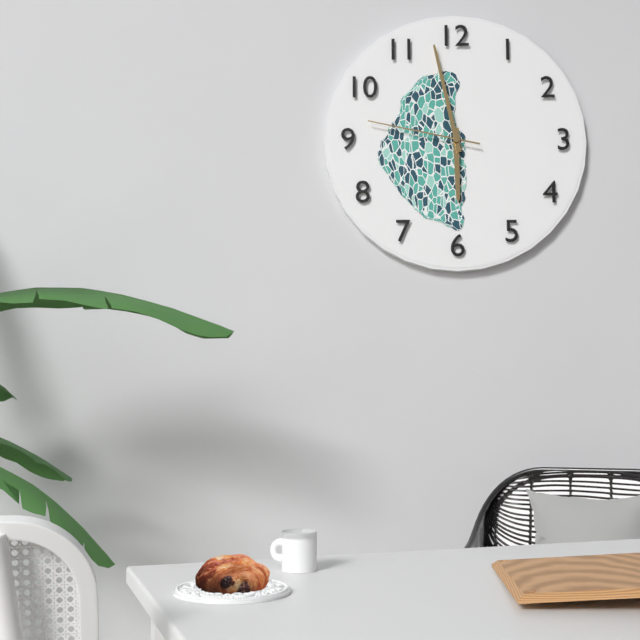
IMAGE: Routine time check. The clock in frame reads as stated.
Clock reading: 5:58:47
